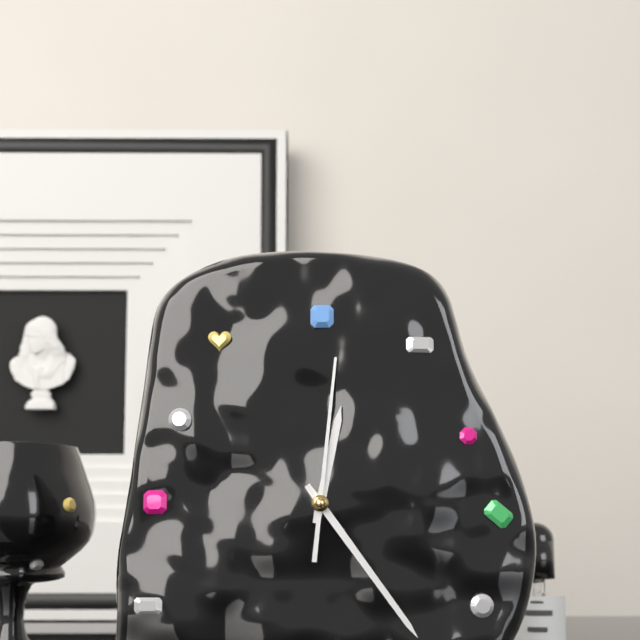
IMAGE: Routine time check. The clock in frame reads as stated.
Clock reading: 12:24:01
